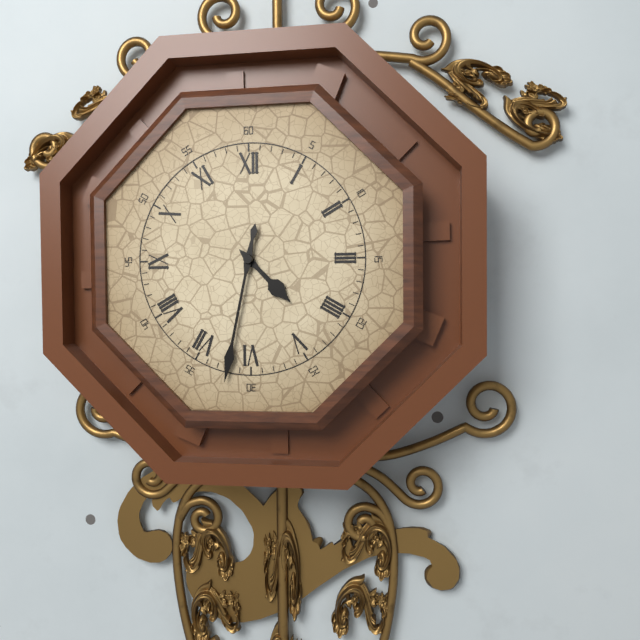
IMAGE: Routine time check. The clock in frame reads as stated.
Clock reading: 4:32
